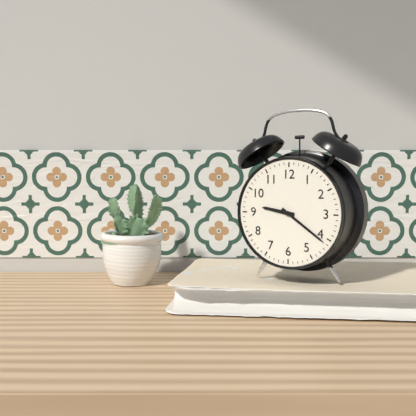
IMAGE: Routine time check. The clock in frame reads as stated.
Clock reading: 9:21
